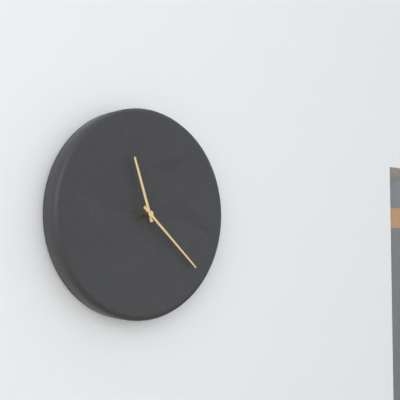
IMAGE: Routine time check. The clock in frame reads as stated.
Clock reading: 11:22
